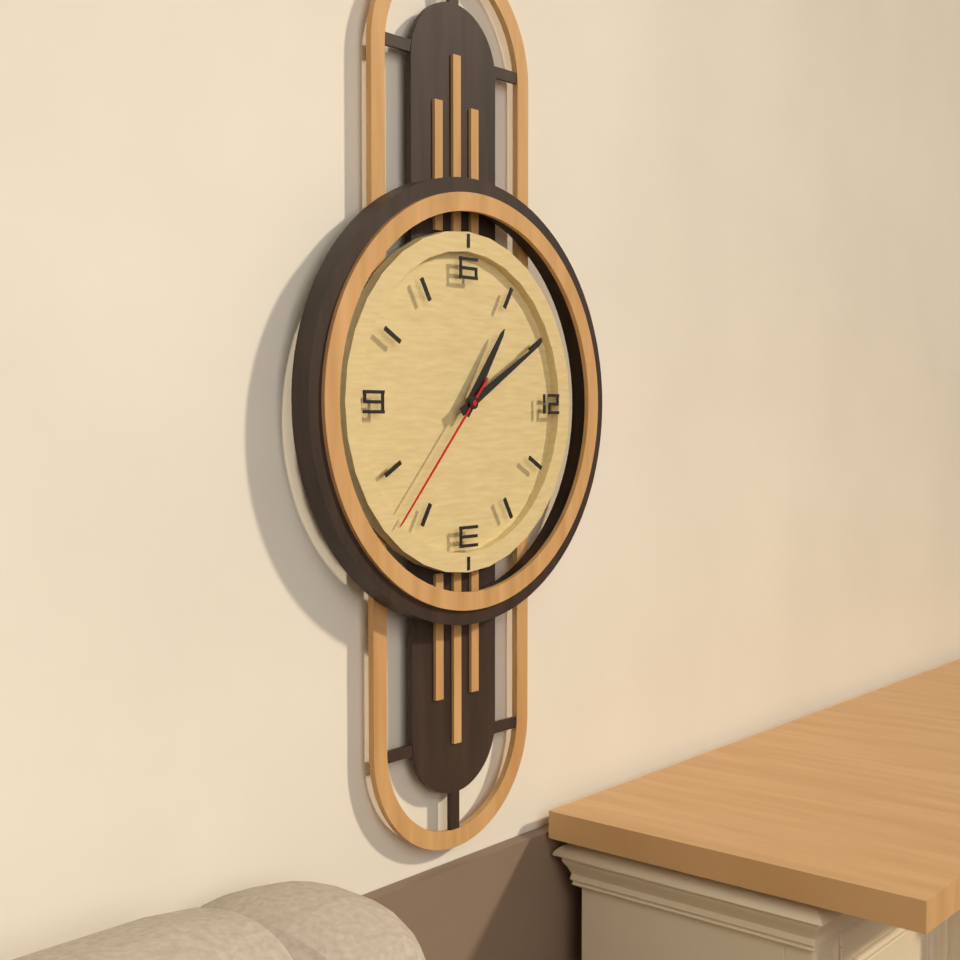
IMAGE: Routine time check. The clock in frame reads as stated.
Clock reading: 1:10:37
